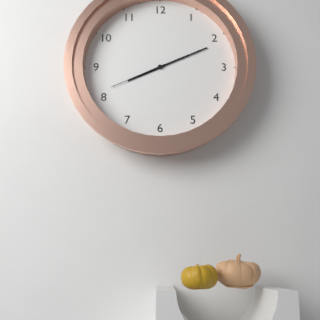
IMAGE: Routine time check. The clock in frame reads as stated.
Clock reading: 8:11:41
